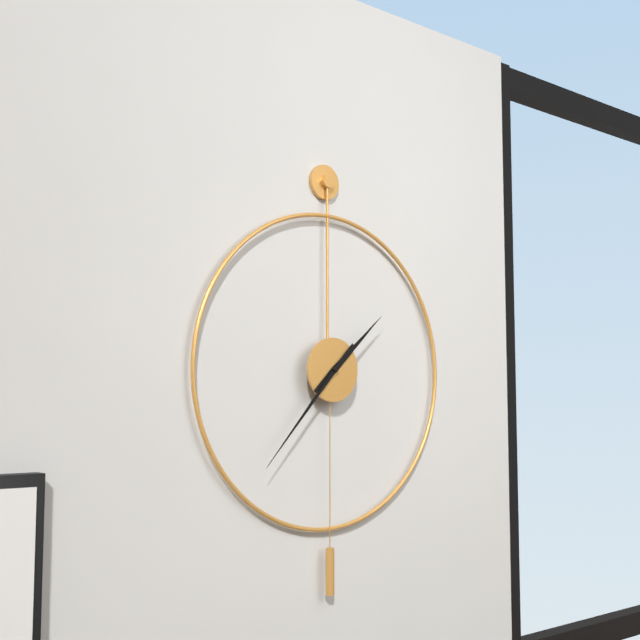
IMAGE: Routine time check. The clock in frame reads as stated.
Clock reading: 1:37
